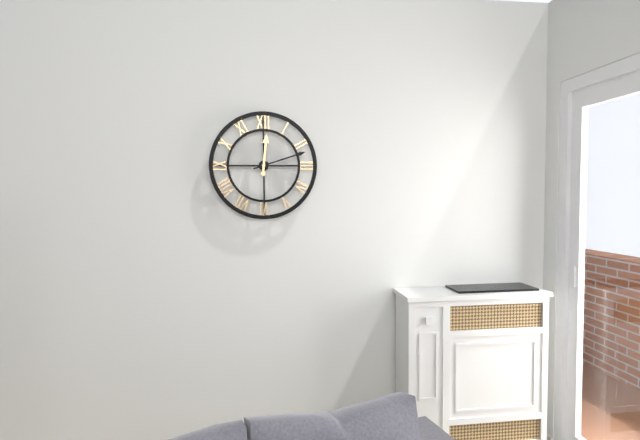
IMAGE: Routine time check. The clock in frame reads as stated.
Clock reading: 12:12
